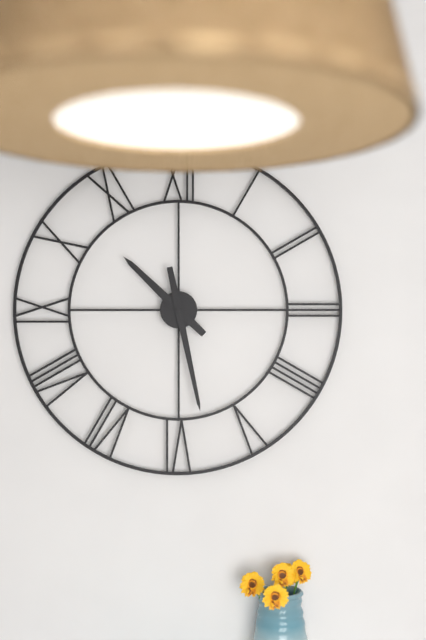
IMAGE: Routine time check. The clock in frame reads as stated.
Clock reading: 10:28
